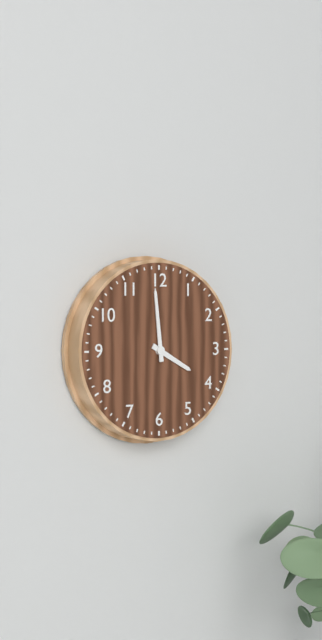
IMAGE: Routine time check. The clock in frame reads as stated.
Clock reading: 3:59
